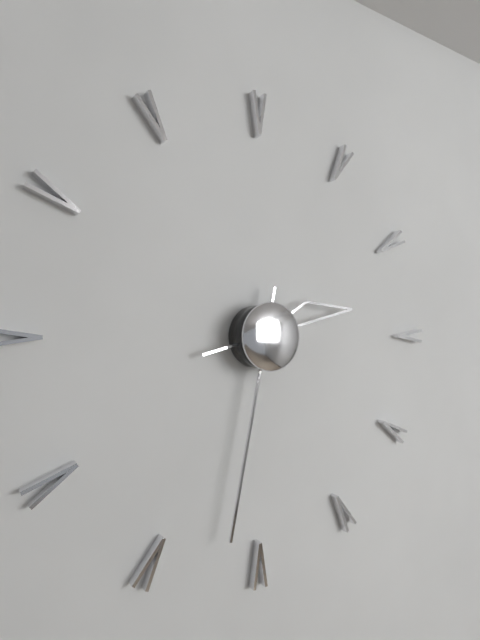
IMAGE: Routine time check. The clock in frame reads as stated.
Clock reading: 2:32
